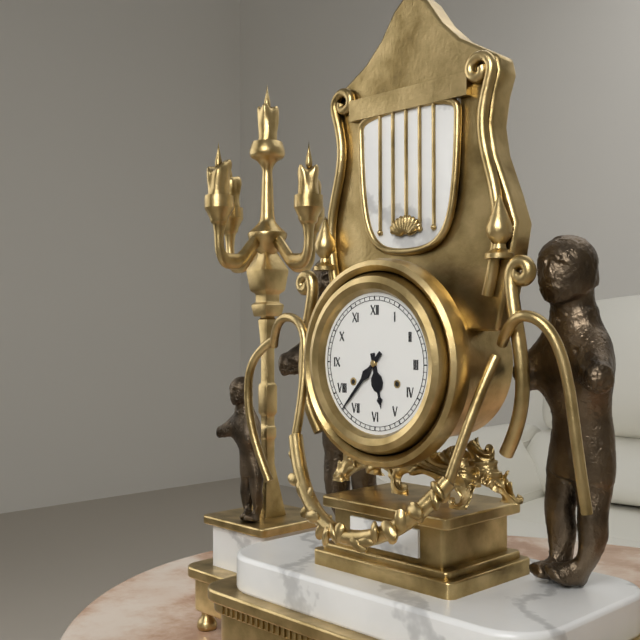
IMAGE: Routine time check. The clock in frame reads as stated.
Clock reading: 5:37
